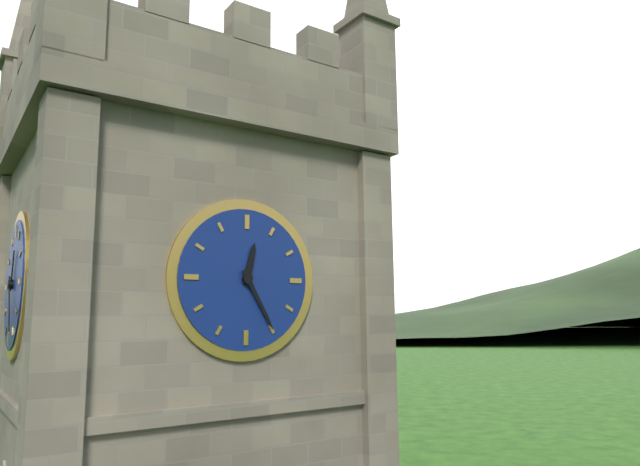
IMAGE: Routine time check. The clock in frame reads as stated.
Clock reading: 12:25
